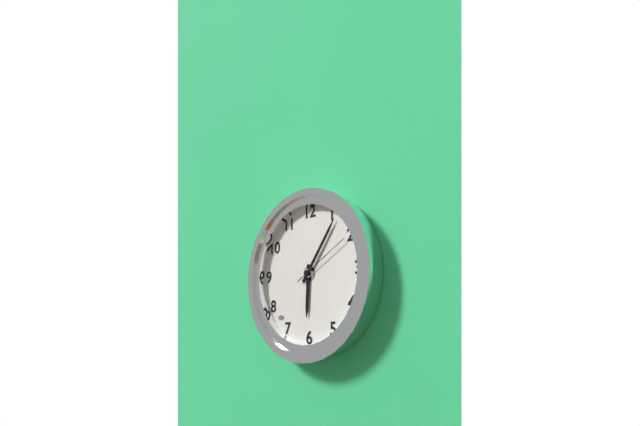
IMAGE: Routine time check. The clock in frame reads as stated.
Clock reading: 6:06:10
